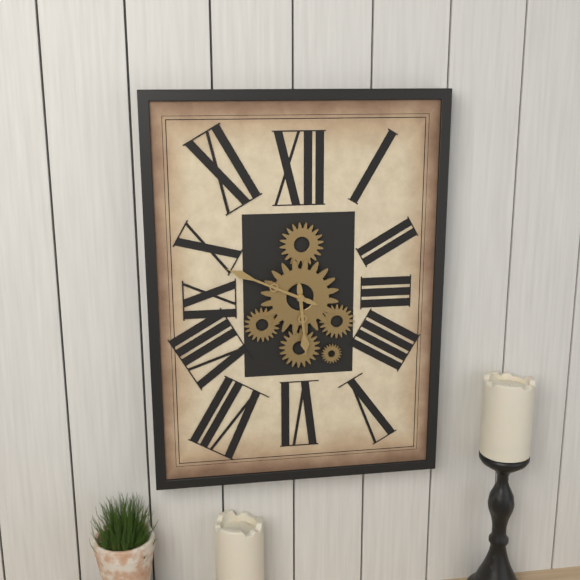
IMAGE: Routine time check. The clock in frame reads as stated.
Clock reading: 5:49
